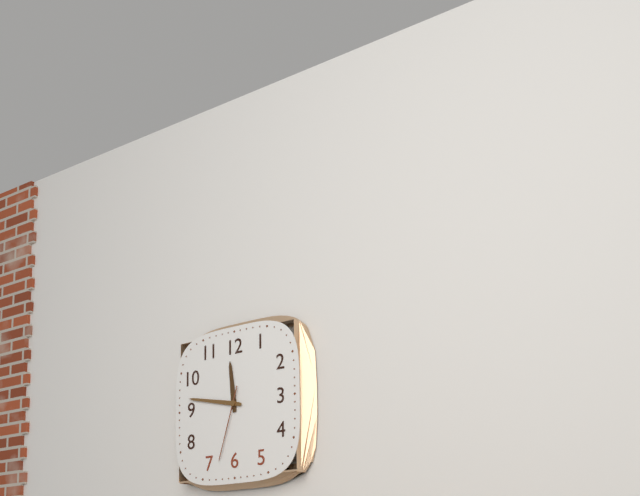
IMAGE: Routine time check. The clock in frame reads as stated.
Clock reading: 11:47:33
